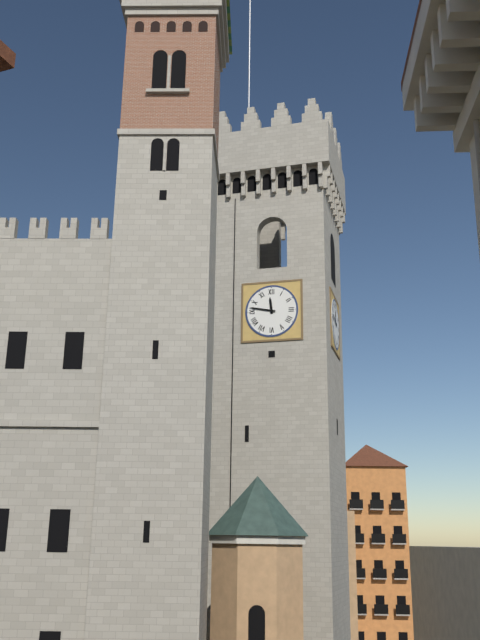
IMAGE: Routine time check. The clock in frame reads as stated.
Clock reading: 11:47
